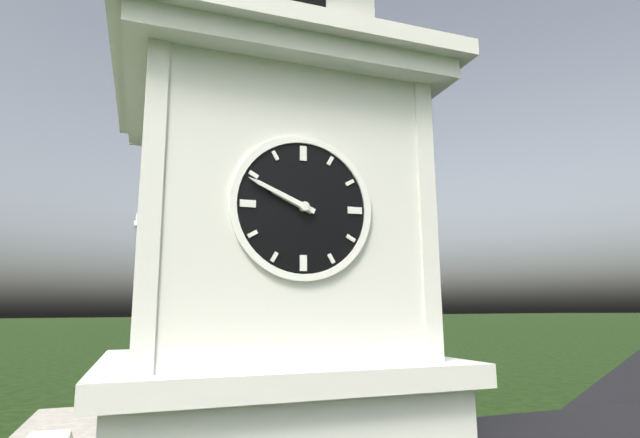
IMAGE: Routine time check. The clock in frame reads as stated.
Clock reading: 9:49
